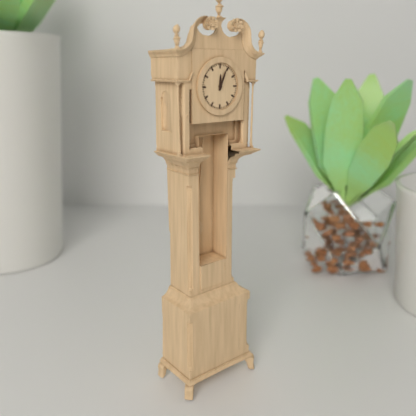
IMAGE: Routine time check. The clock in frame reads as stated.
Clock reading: 12:04
